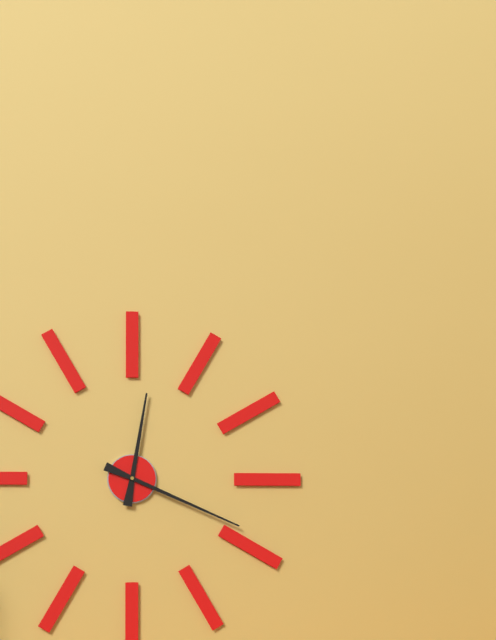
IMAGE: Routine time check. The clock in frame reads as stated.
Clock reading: 12:19
